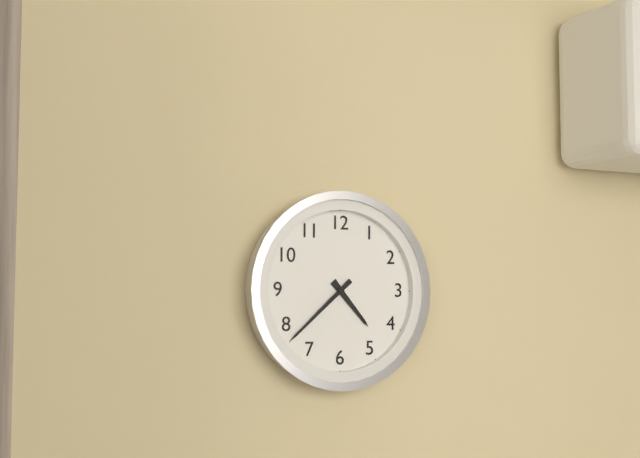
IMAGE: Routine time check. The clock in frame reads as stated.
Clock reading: 4:38
